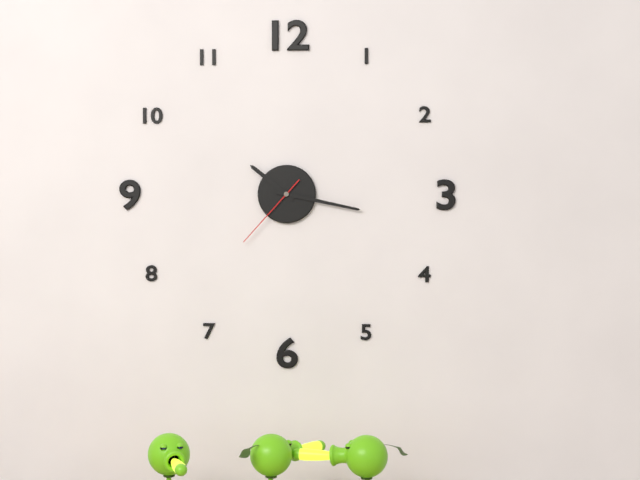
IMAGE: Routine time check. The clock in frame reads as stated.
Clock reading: 10:17:37
